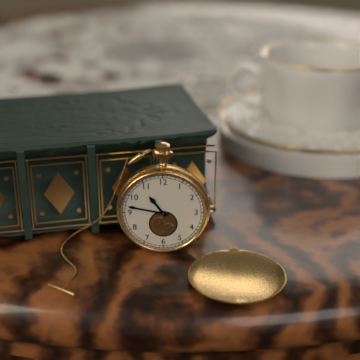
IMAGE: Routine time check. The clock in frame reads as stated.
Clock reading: 10:47
